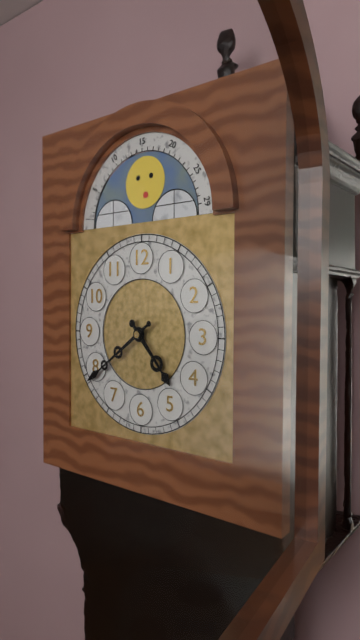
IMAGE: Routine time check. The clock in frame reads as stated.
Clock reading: 4:39
